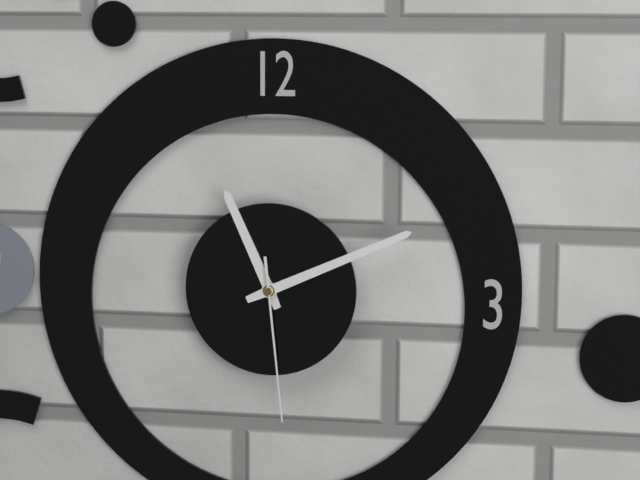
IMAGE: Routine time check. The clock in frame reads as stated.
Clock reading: 11:11:29
